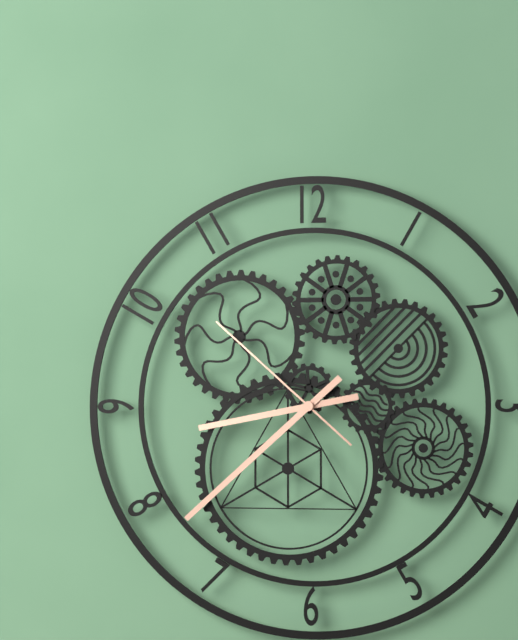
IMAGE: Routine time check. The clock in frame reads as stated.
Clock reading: 8:38:52
